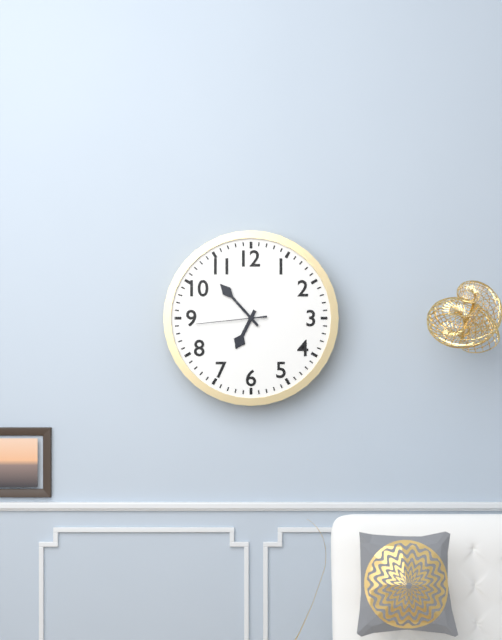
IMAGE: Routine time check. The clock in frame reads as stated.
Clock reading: 6:53:44
